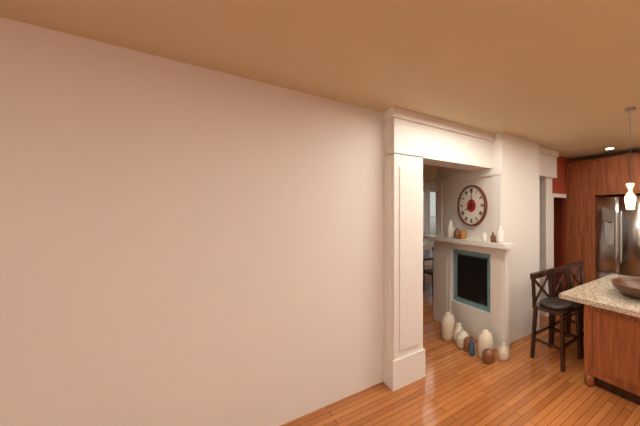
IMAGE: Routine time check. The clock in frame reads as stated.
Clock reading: 8:01
